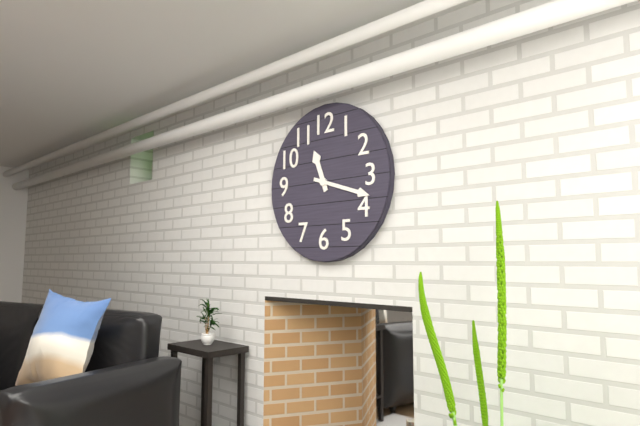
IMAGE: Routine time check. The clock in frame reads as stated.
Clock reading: 11:18
